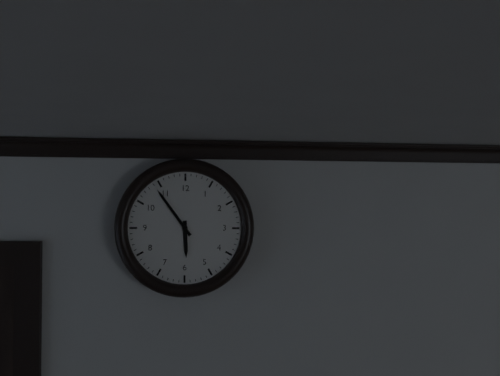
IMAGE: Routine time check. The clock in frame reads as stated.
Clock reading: 5:54
